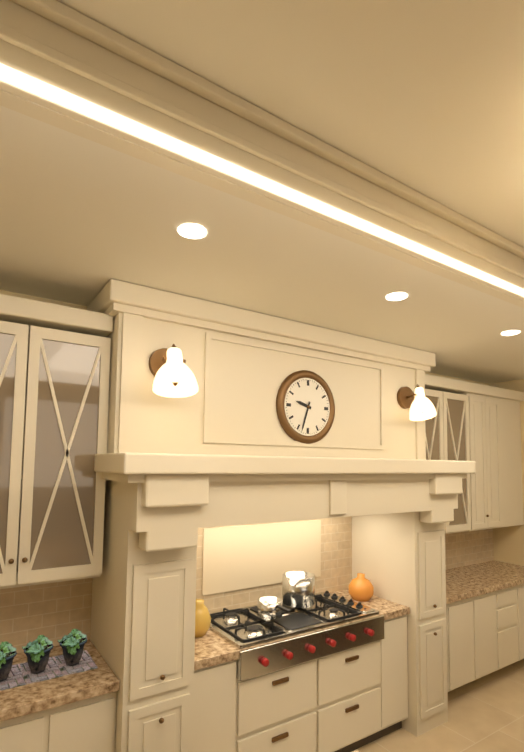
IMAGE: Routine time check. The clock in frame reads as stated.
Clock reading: 9:33
